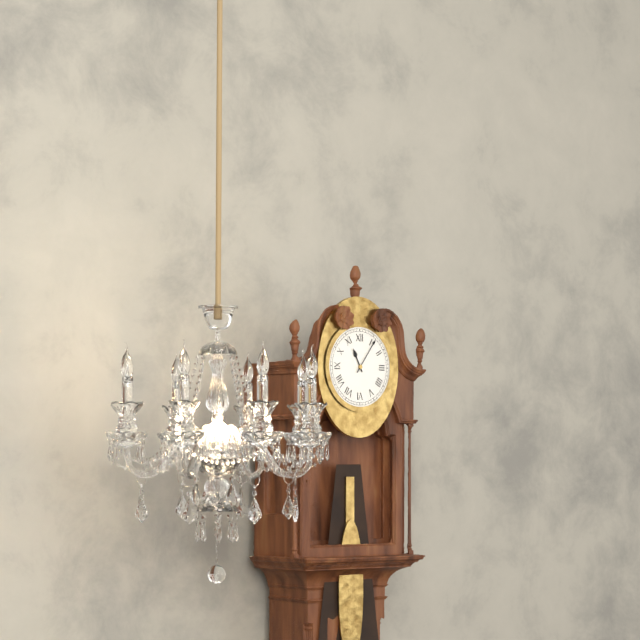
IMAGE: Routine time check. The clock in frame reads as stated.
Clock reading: 11:06
